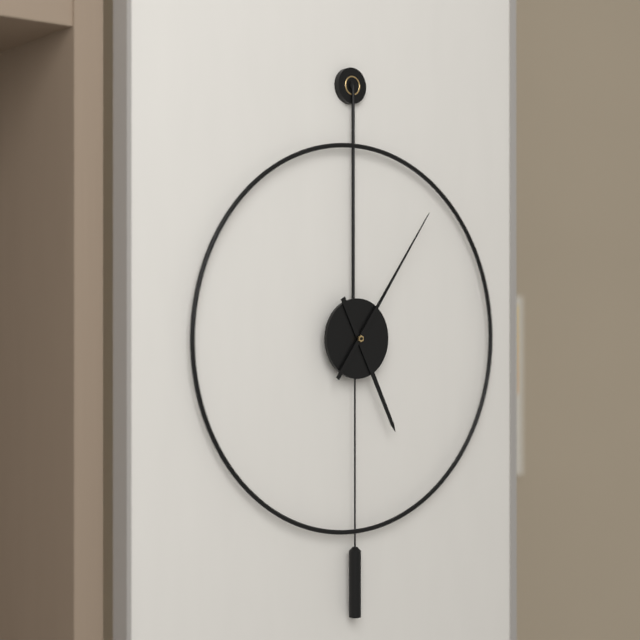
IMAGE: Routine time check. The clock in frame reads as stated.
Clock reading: 5:06
